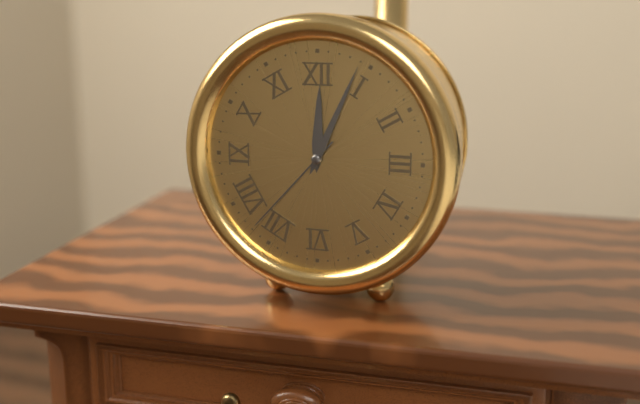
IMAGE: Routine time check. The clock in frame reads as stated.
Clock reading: 12:04:37
